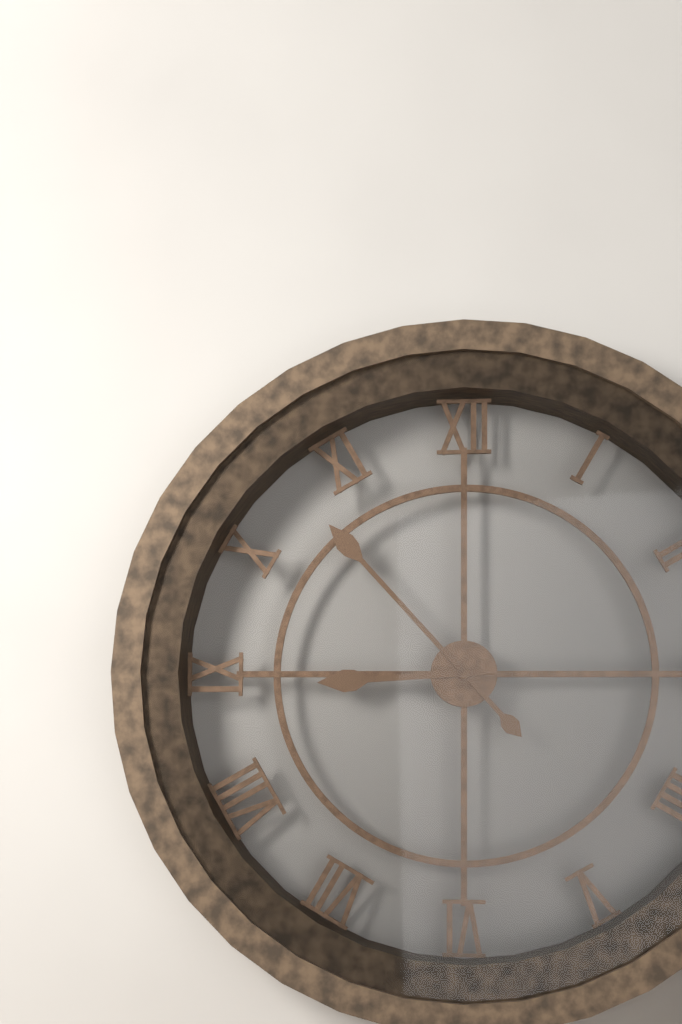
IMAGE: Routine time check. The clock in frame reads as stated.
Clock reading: 8:53
